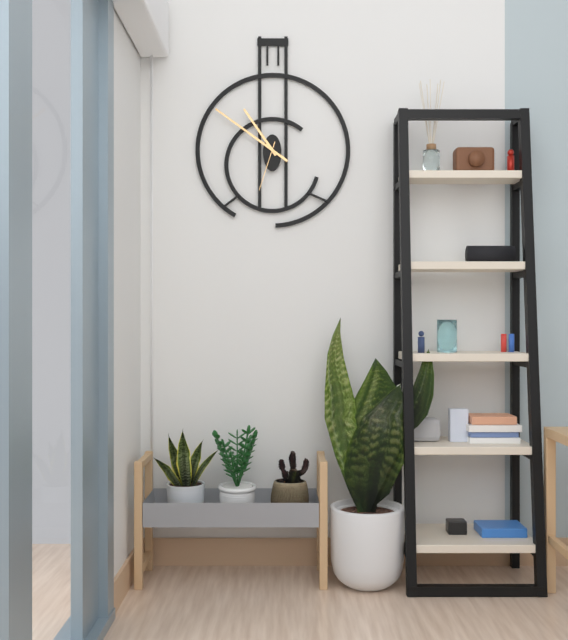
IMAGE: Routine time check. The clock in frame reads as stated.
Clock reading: 10:51:33
